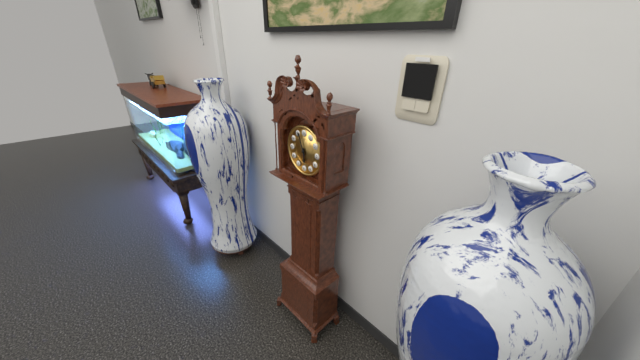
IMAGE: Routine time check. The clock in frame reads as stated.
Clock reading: 5:56
